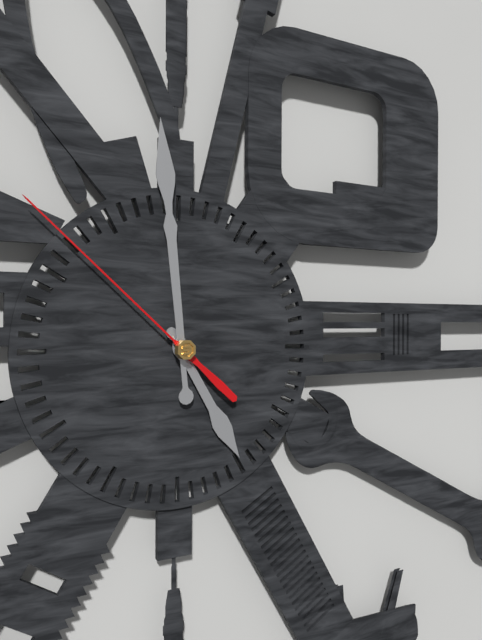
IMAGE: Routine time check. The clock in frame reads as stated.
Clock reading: 4:59:52
